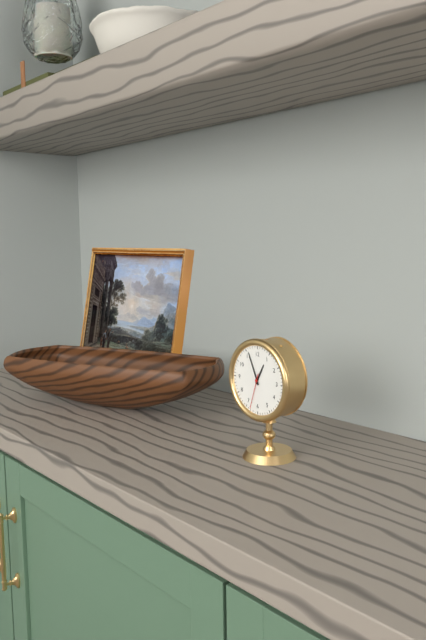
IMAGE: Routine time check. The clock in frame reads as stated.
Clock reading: 12:56
